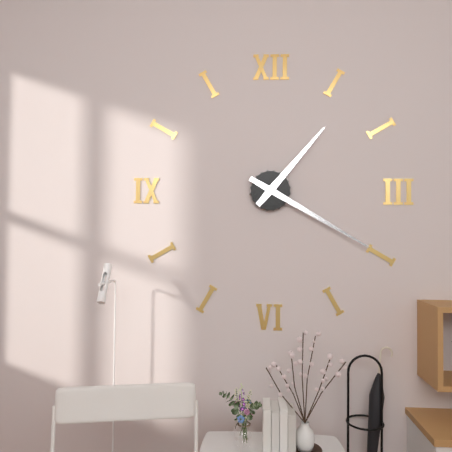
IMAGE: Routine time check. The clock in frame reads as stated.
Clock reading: 1:20
